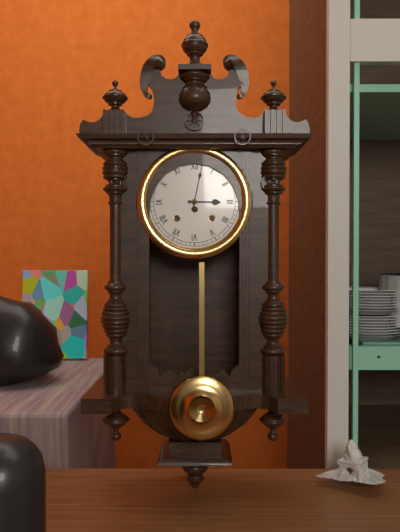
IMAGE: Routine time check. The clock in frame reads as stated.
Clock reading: 3:02
